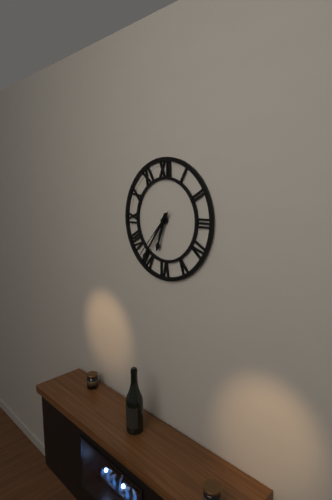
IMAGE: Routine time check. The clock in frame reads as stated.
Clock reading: 6:36:37
